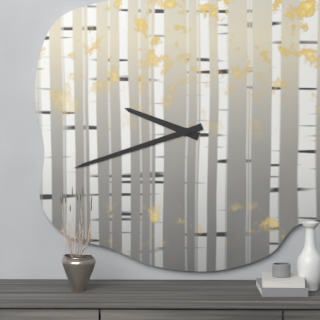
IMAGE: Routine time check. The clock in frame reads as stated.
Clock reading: 9:42
